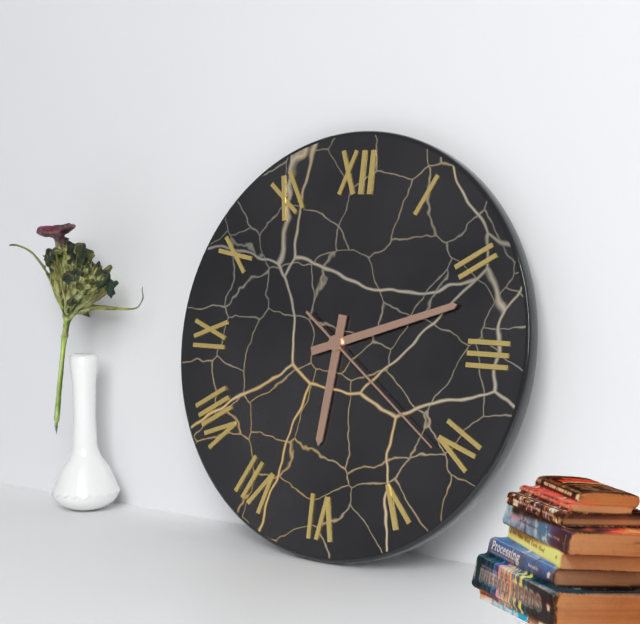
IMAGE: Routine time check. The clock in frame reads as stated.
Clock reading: 6:12:21
